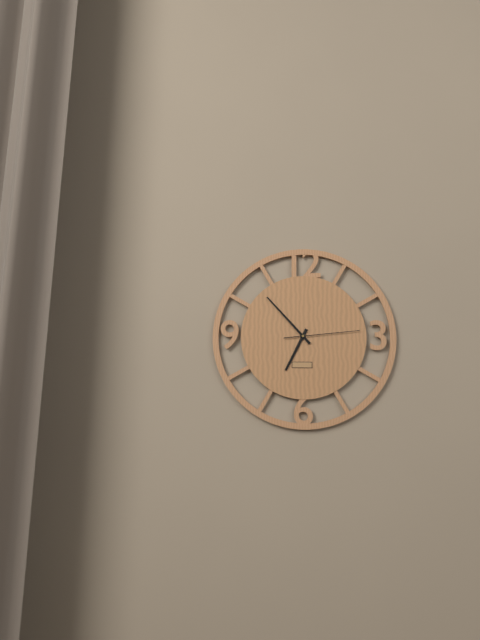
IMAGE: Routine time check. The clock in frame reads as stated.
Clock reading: 6:53:14
